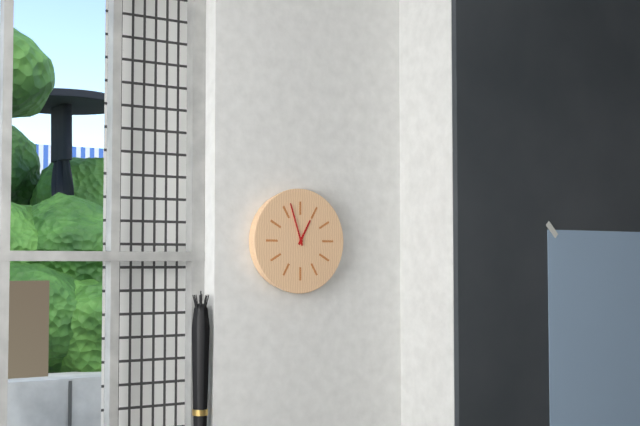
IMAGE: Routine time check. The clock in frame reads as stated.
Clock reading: 12:57
